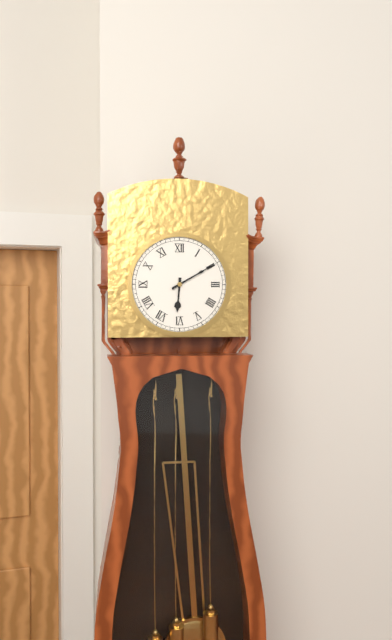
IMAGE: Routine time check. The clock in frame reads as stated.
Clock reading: 6:10
